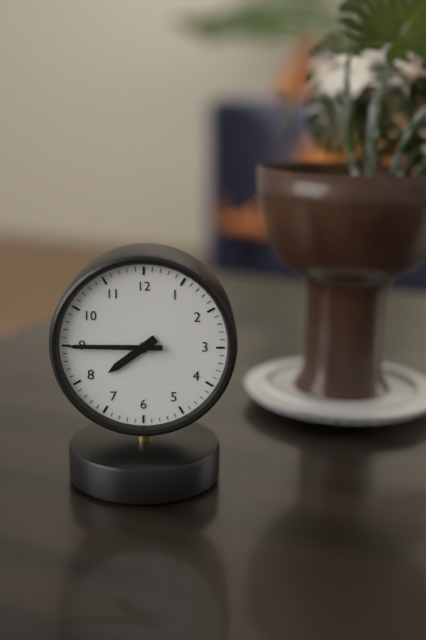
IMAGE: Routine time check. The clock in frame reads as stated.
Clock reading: 7:45
